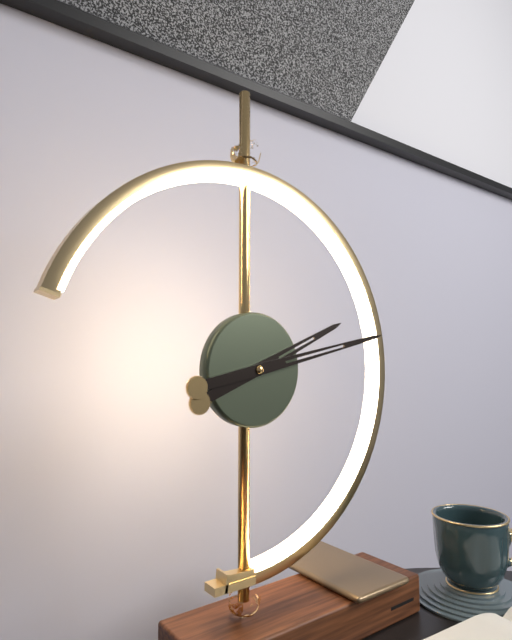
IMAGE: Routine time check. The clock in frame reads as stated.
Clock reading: 2:13
